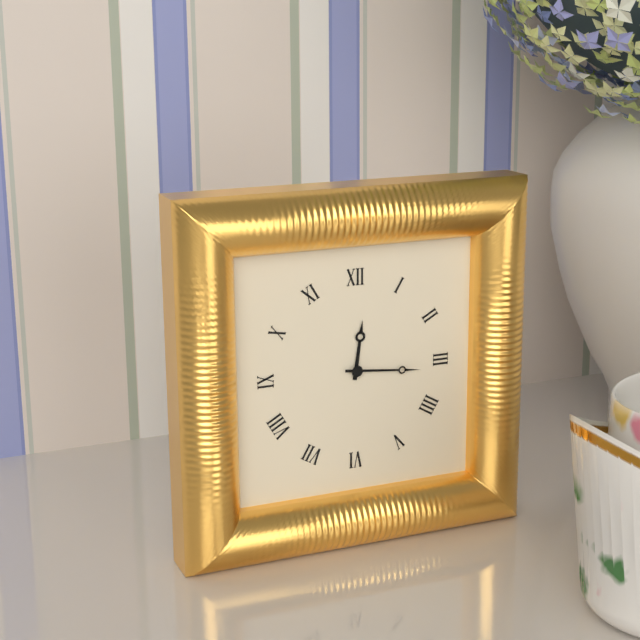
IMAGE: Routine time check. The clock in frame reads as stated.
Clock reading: 12:16
